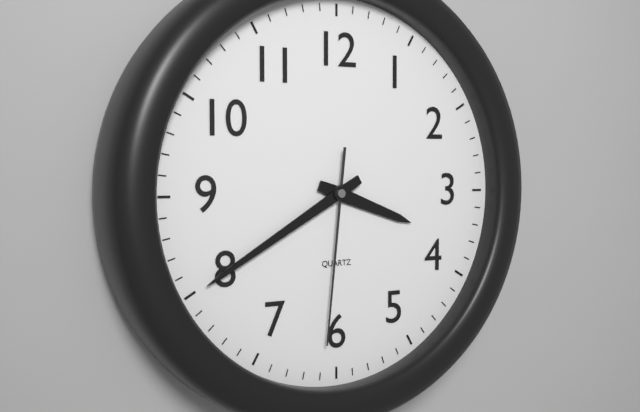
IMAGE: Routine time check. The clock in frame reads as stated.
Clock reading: 3:40:31
